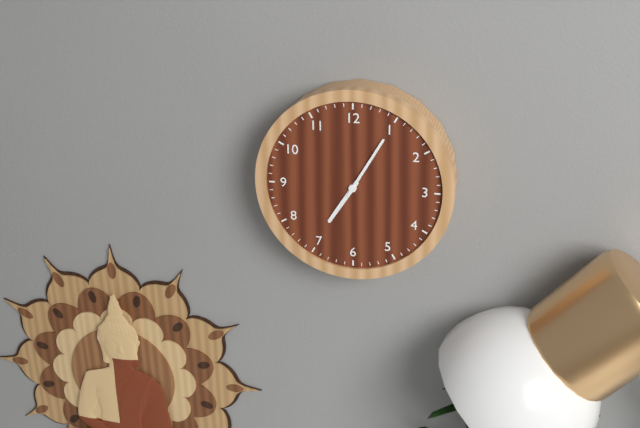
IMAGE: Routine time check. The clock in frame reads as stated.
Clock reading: 7:05
